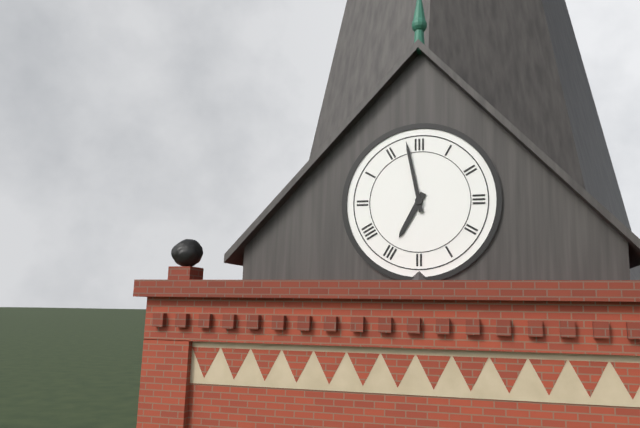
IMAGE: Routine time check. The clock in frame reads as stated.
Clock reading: 6:58
